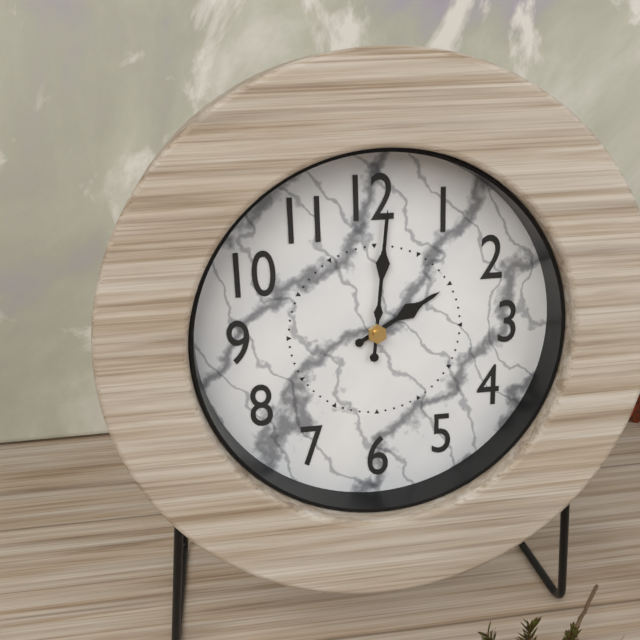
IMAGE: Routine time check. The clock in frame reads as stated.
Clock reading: 2:01
